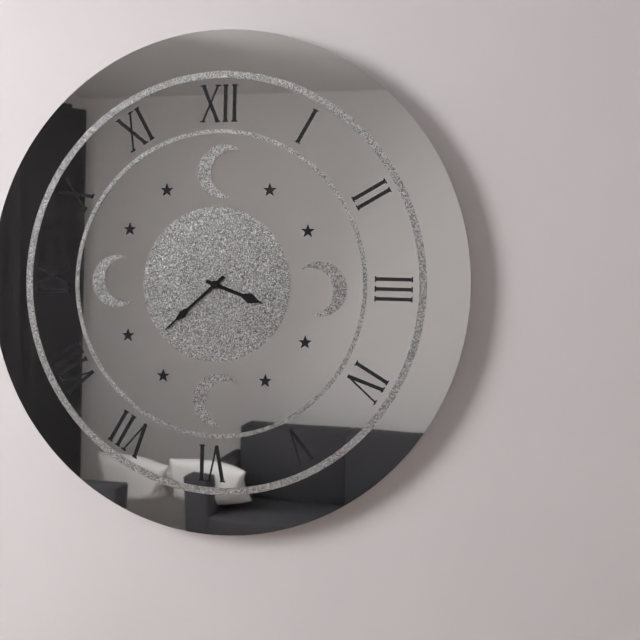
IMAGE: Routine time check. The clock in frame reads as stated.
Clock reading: 3:38
